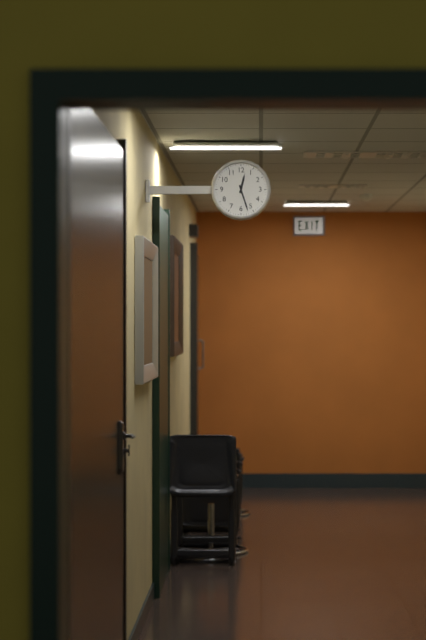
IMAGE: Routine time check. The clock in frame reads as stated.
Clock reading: 12:27
